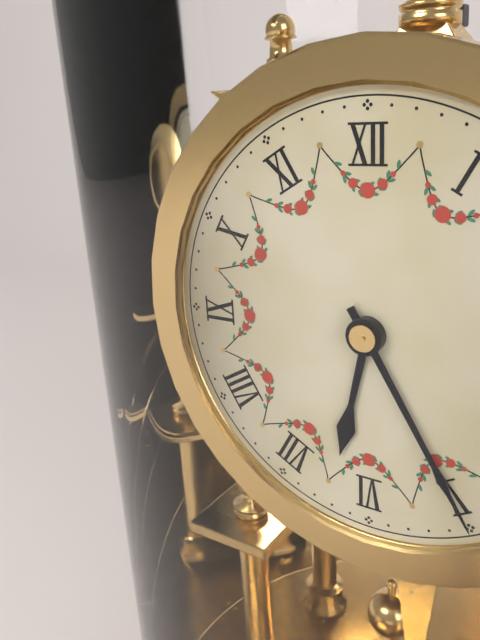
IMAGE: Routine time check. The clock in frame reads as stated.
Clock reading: 6:25
